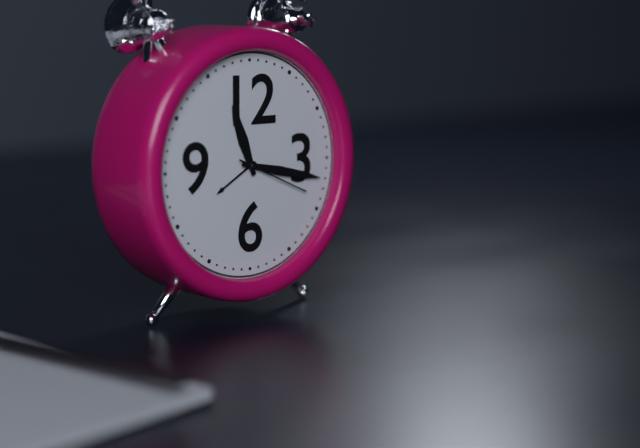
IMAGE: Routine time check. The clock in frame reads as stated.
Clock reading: 11:17:19
